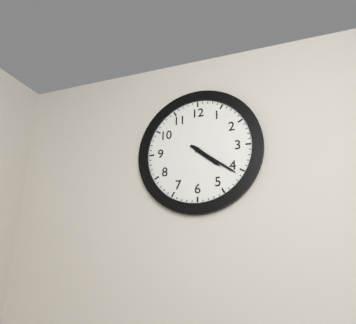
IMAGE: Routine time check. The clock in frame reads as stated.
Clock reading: 4:21
